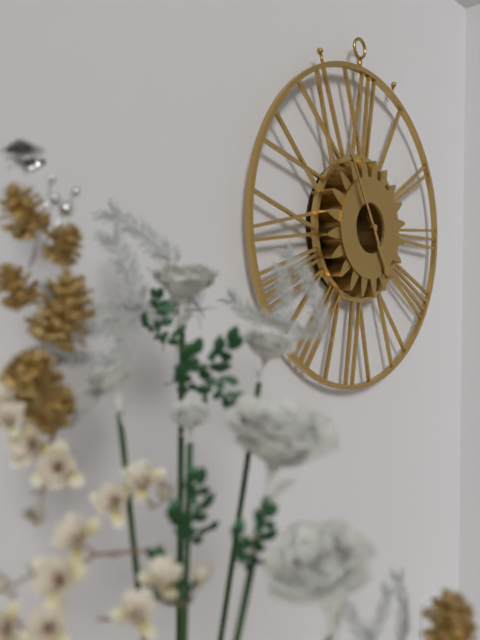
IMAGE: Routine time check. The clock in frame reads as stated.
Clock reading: 4:55
